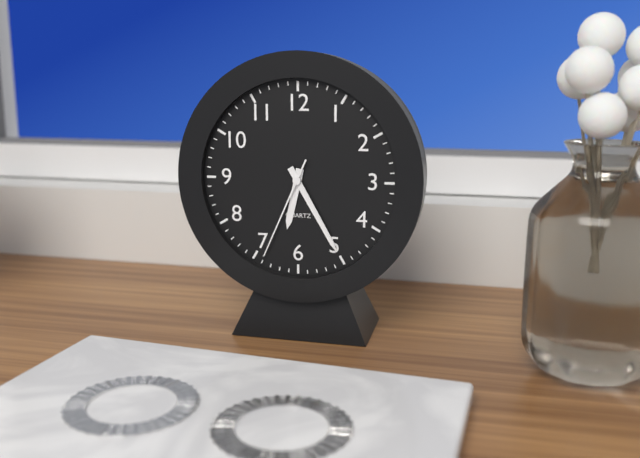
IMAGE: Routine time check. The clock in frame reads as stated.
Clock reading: 6:25:34
